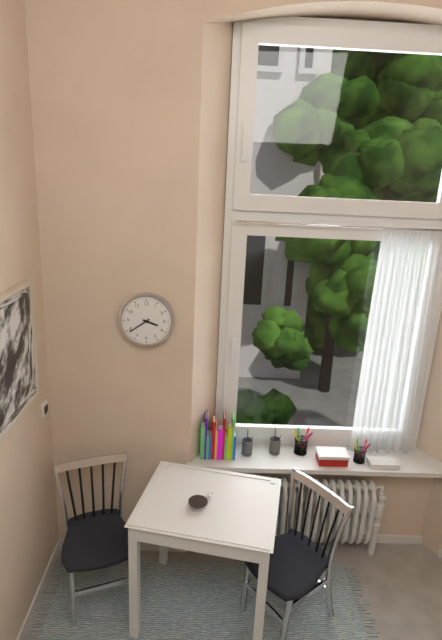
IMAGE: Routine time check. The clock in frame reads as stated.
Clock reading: 3:39
